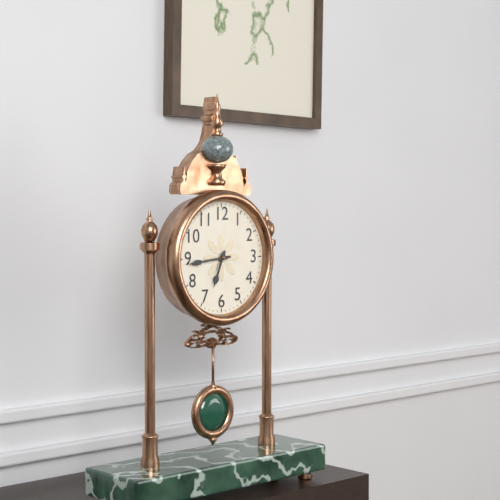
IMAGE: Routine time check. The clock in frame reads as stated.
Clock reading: 6:44
